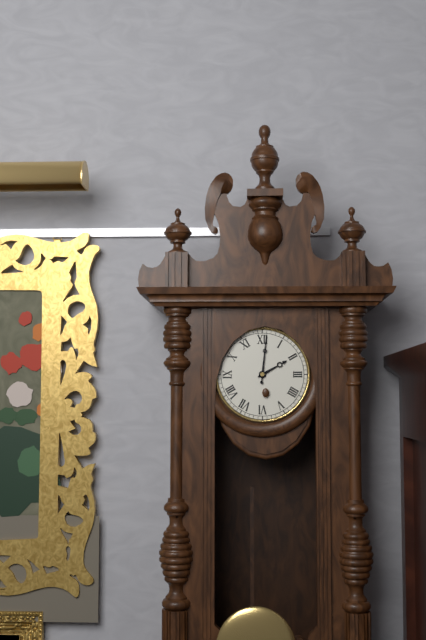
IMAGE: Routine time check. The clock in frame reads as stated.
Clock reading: 2:01
